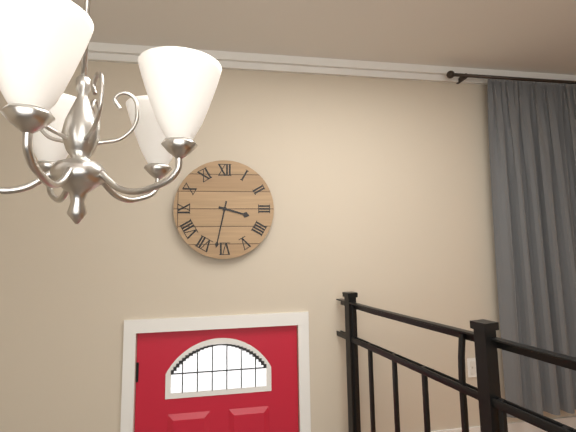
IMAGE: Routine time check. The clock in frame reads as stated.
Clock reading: 3:32
